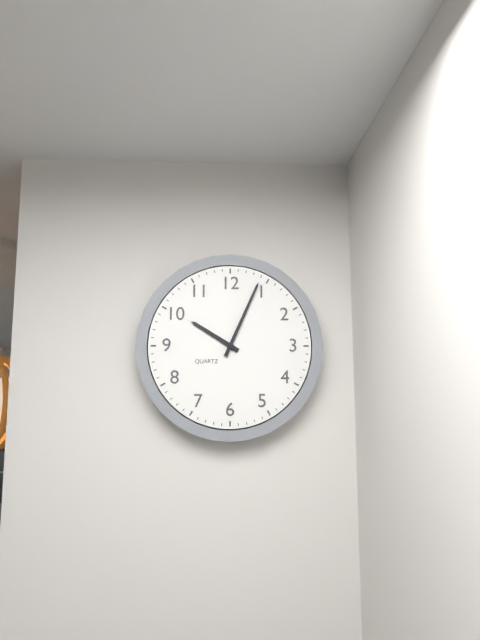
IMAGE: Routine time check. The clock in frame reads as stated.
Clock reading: 10:04
